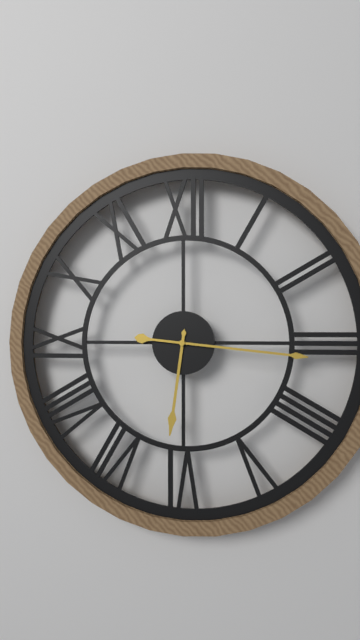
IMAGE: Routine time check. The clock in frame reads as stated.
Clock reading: 6:16
